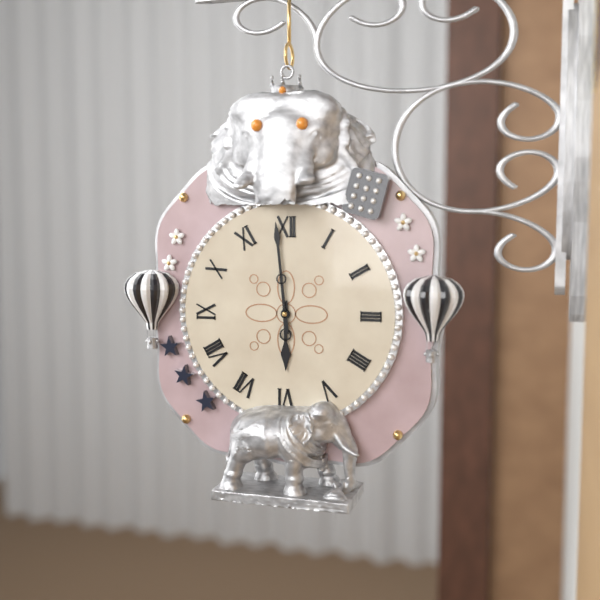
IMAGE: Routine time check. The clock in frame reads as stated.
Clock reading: 5:59
